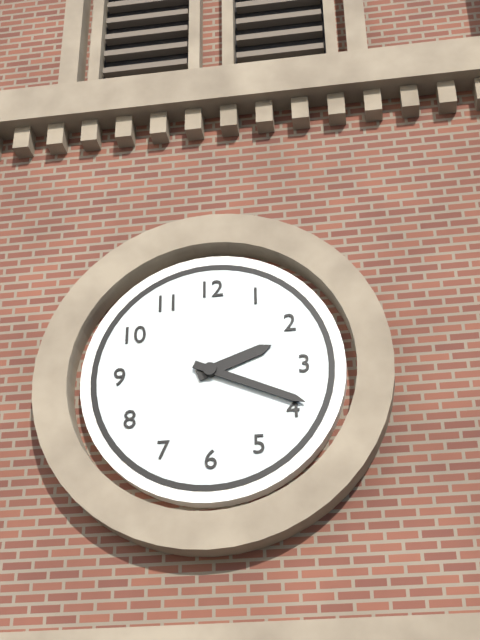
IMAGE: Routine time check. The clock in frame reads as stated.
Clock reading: 2:19
